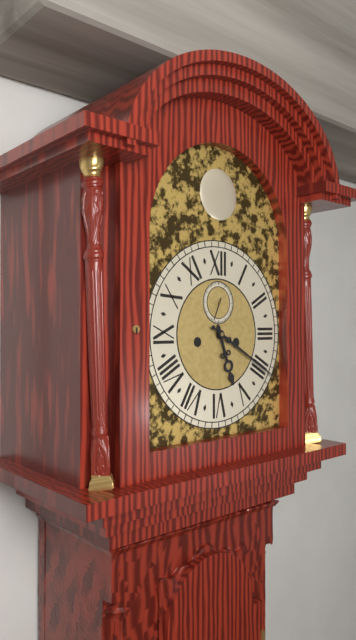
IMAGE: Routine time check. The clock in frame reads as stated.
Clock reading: 5:20
